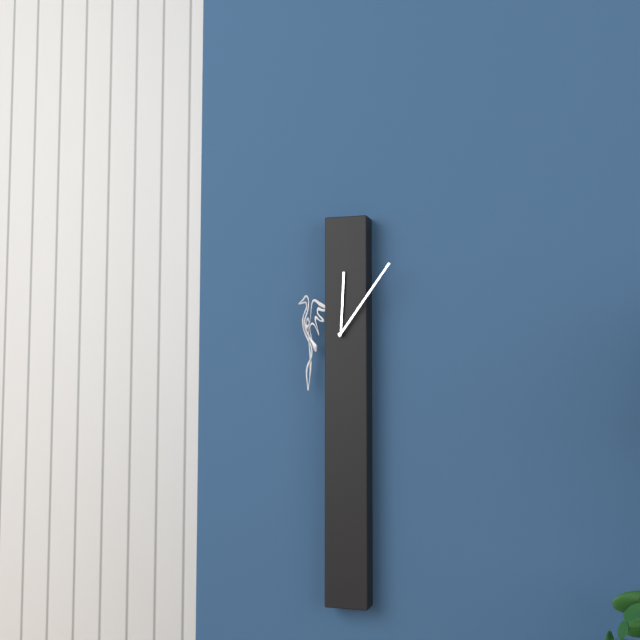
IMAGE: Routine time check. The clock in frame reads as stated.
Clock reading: 12:06
